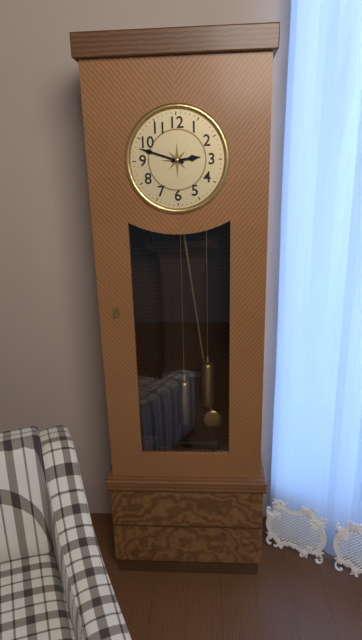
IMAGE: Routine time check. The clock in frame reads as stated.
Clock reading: 2:48
